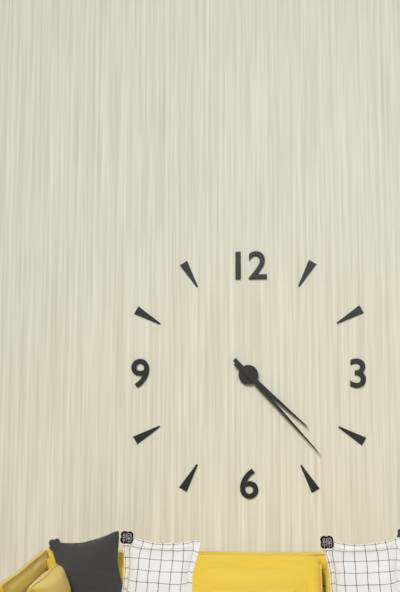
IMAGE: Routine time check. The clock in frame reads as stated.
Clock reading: 4:23
